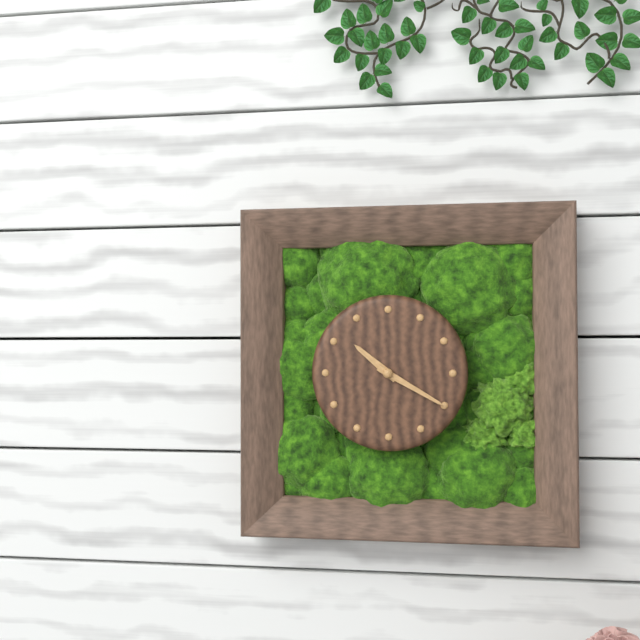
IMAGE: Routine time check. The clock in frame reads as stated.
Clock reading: 10:20
